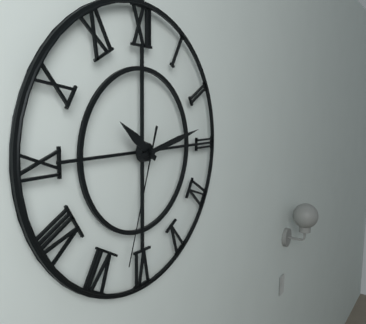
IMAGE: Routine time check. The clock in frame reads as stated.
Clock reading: 10:13:33
